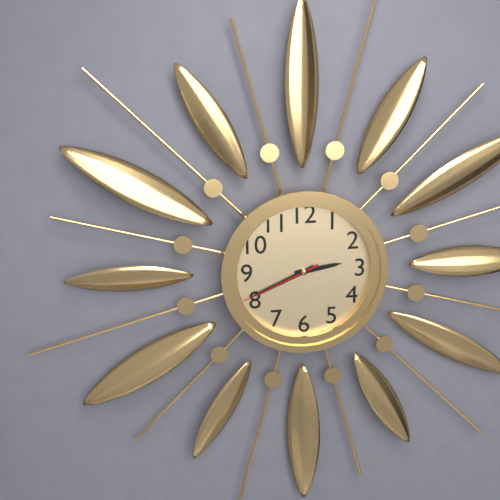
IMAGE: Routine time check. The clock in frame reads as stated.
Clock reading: 2:41:41
